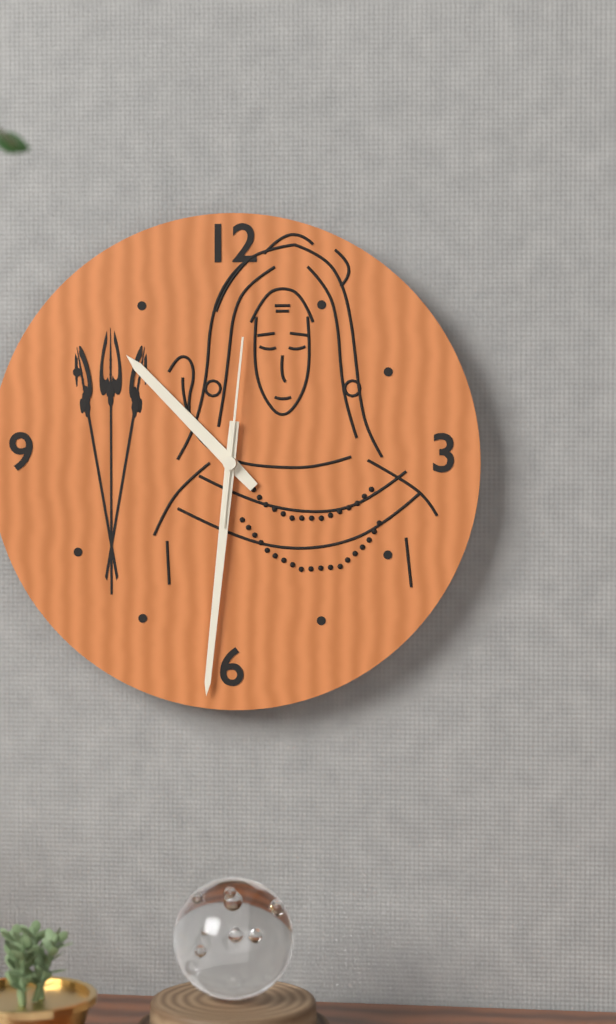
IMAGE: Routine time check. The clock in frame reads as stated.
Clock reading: 10:31:01
